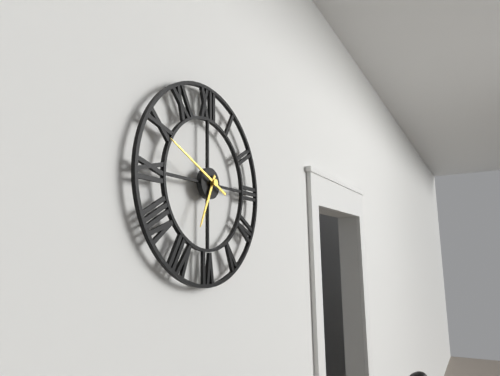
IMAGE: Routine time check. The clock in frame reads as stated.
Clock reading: 6:49
